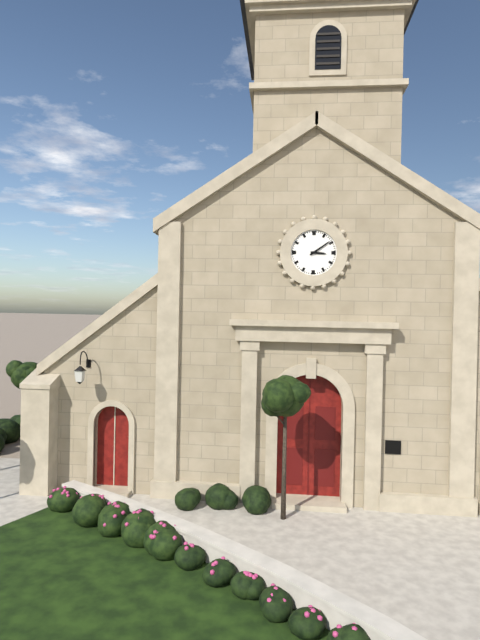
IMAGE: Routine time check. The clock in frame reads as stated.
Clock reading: 3:09
